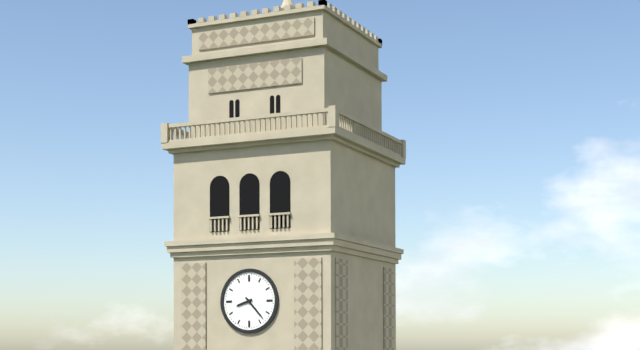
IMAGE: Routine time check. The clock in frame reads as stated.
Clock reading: 8:23
